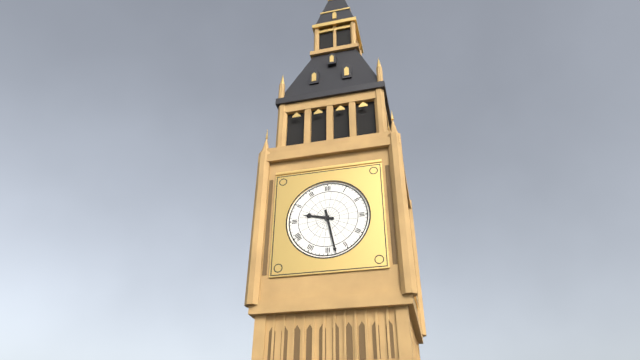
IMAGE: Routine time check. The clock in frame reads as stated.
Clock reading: 9:28
